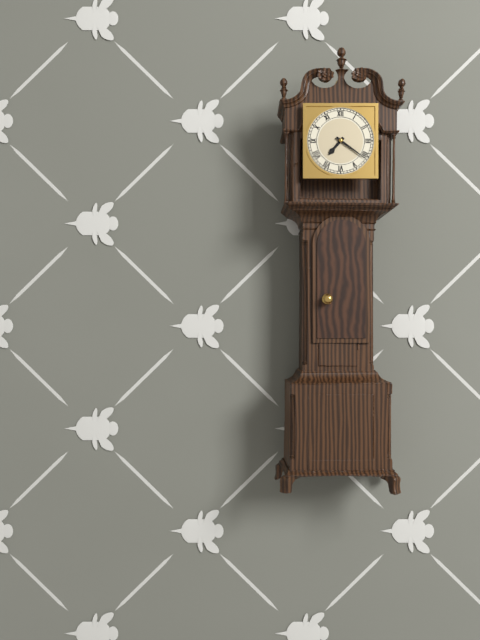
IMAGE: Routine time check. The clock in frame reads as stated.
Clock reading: 7:21
